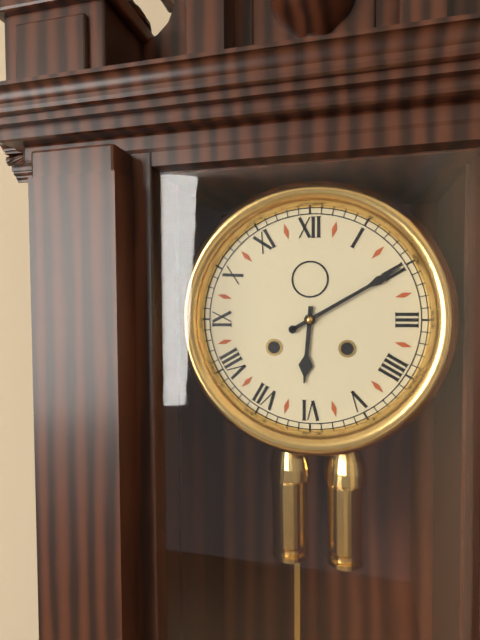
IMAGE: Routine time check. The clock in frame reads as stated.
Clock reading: 6:10
